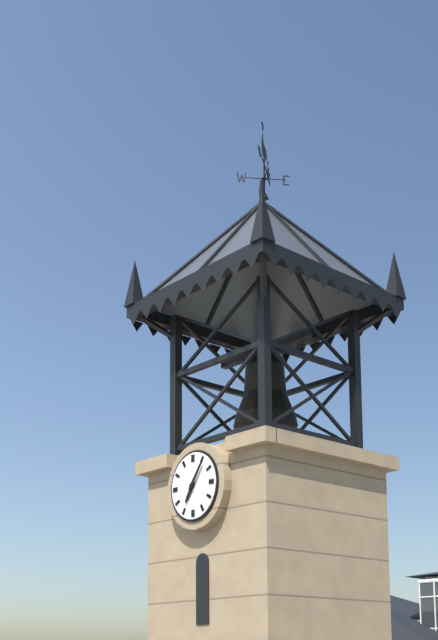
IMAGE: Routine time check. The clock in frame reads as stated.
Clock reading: 7:06
